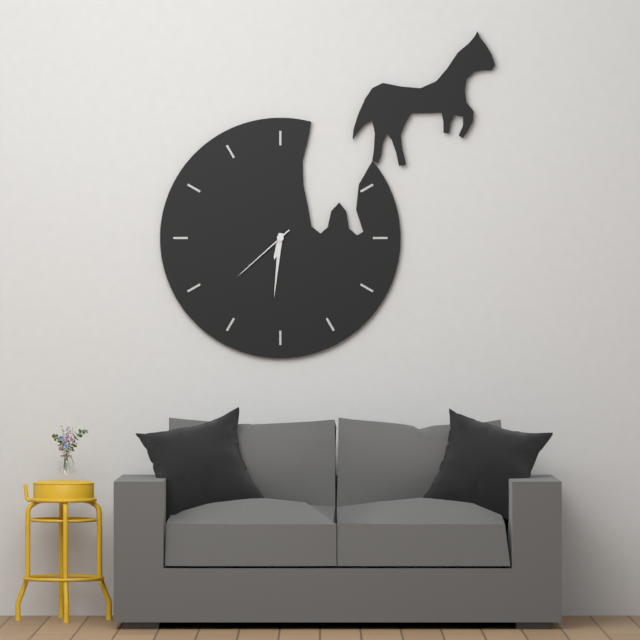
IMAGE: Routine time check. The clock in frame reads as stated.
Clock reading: 6:31:38
